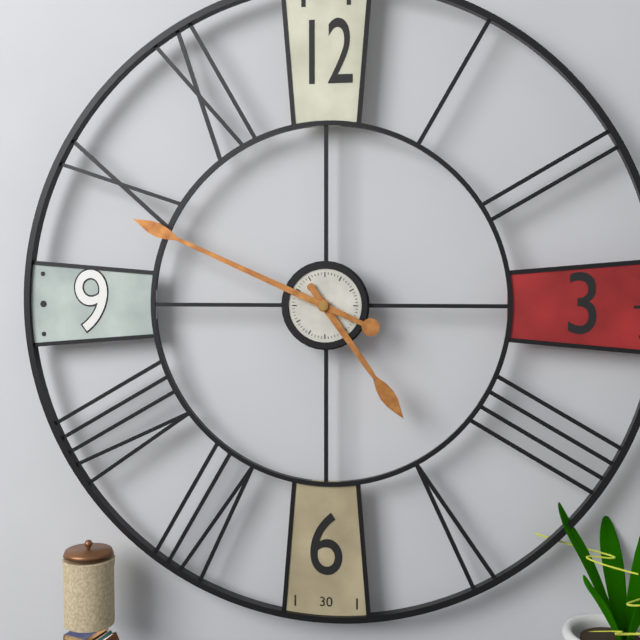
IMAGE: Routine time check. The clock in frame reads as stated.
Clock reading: 4:49
